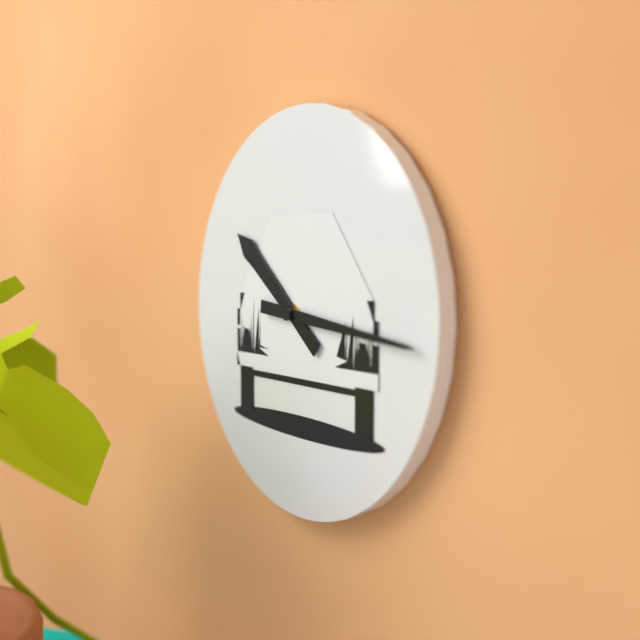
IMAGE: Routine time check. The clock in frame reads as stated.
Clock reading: 10:16
